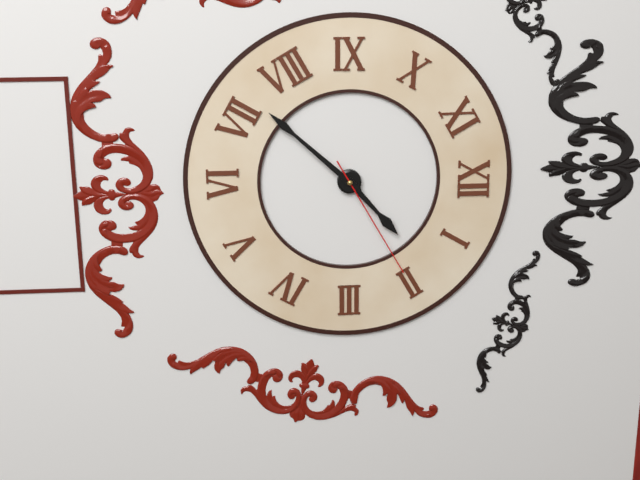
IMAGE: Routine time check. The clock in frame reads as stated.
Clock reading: 1:37:10
